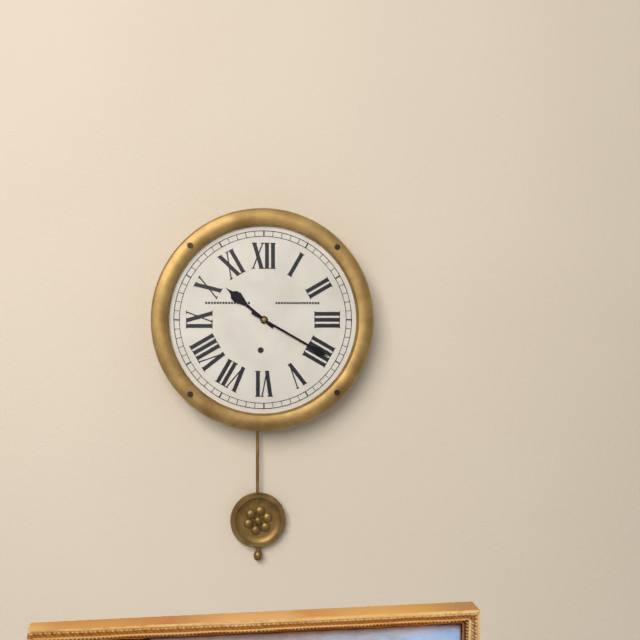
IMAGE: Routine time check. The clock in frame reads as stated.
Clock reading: 10:20
